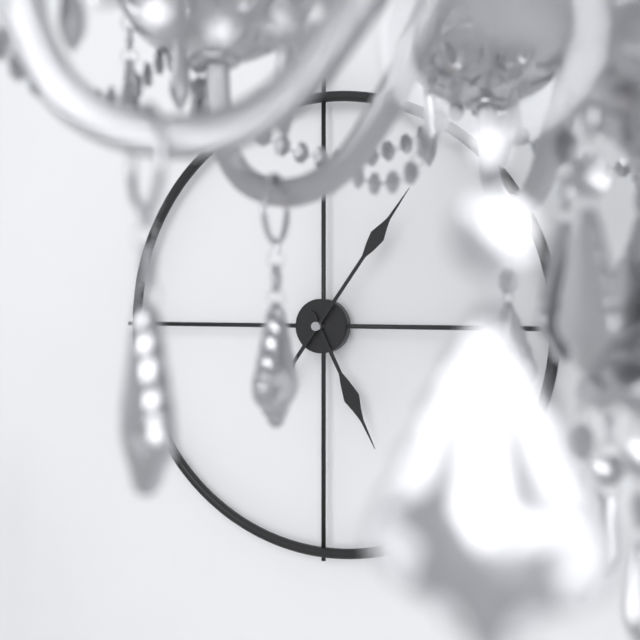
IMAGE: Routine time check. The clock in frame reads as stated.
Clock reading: 5:06
